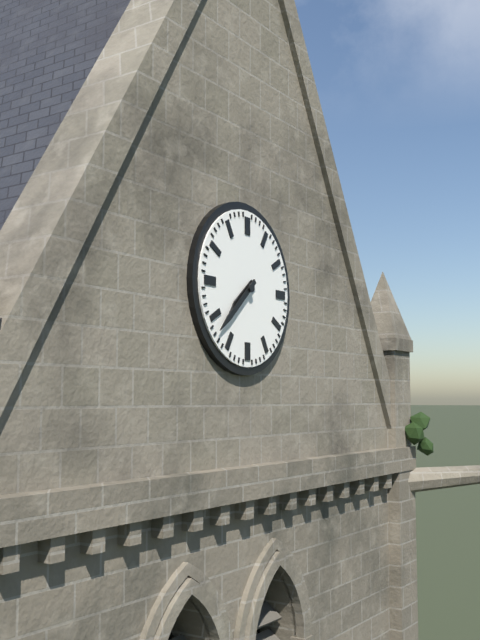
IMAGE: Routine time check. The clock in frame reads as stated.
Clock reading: 7:38
